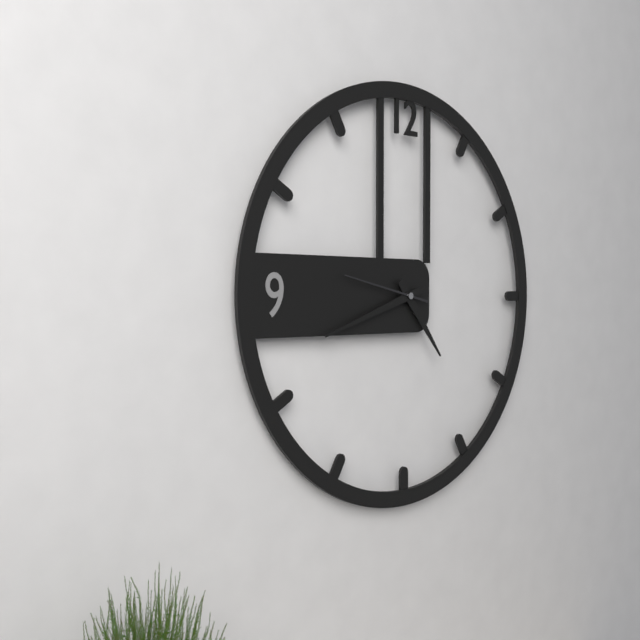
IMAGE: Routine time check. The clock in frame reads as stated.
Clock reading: 4:42:47
